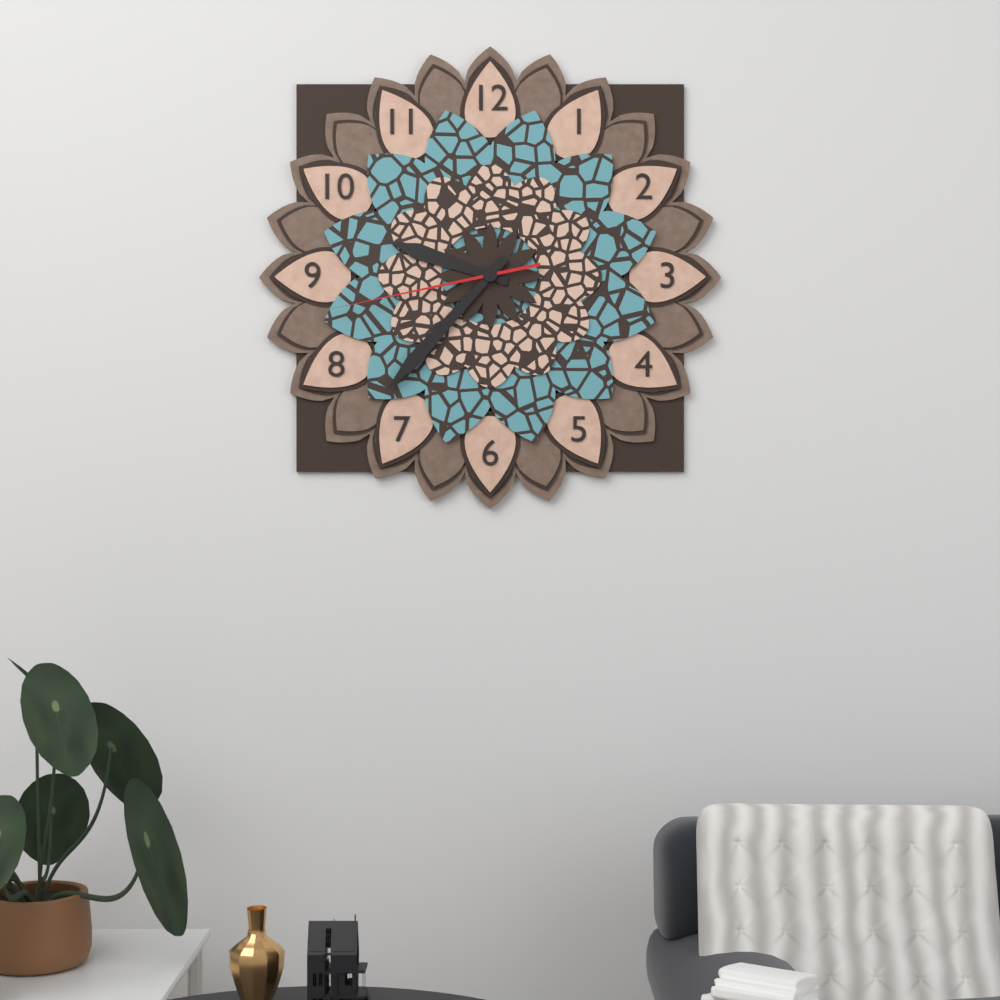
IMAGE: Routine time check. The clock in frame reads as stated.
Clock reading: 9:37:43
